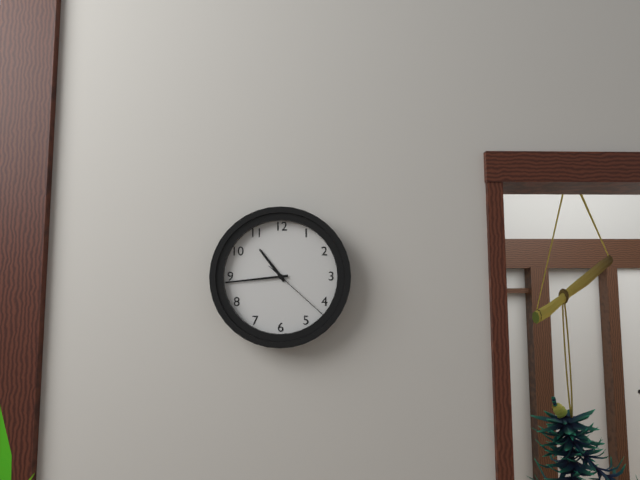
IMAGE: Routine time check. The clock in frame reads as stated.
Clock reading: 10:44:22
